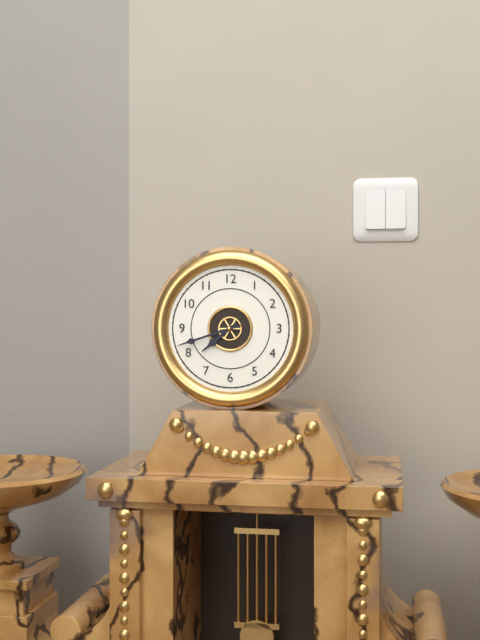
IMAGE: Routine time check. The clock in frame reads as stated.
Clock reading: 7:42
